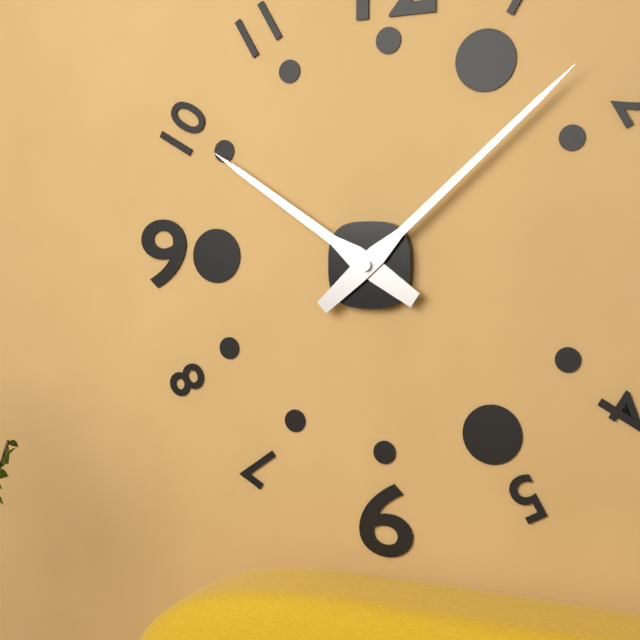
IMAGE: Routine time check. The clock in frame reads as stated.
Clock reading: 10:08
